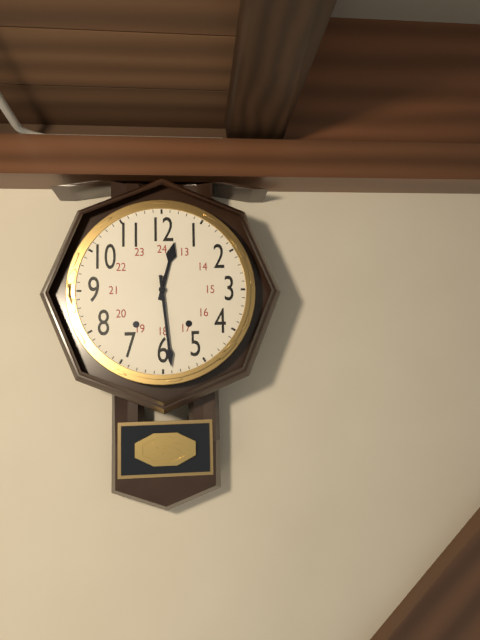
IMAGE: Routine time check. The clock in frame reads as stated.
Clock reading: 12:29
